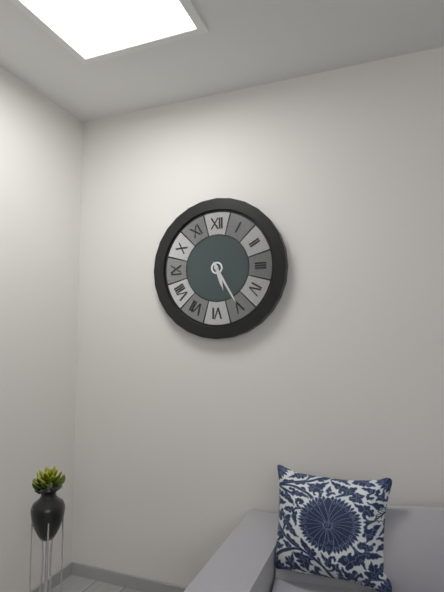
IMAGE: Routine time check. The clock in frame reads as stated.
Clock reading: 5:25
